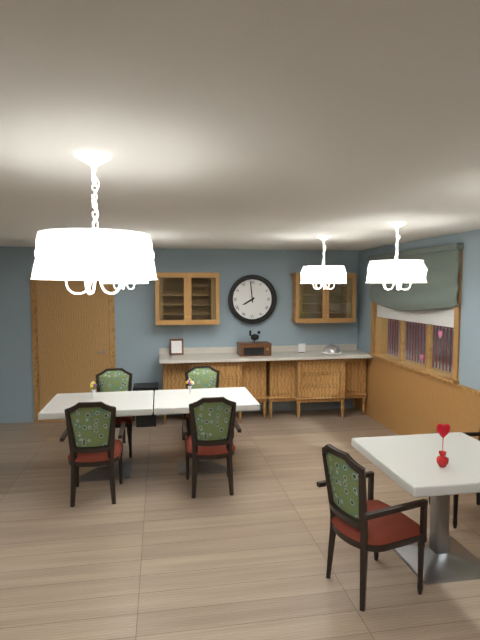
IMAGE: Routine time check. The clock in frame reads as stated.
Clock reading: 7:59
